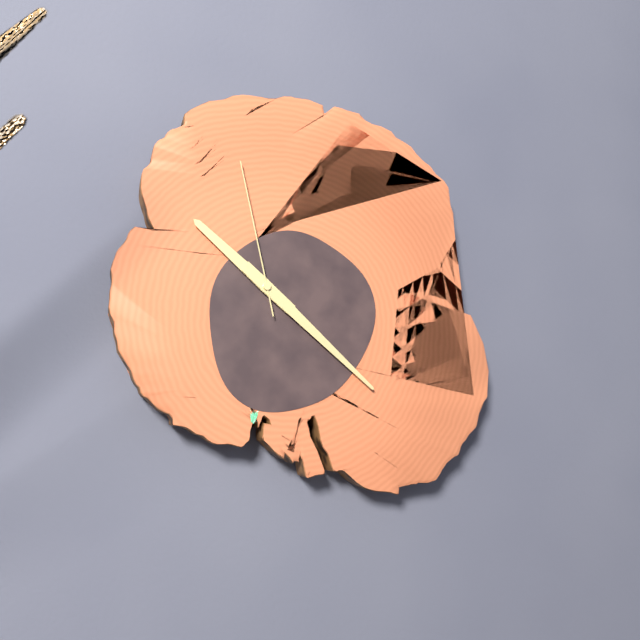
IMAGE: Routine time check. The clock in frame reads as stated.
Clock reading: 10:22:58
